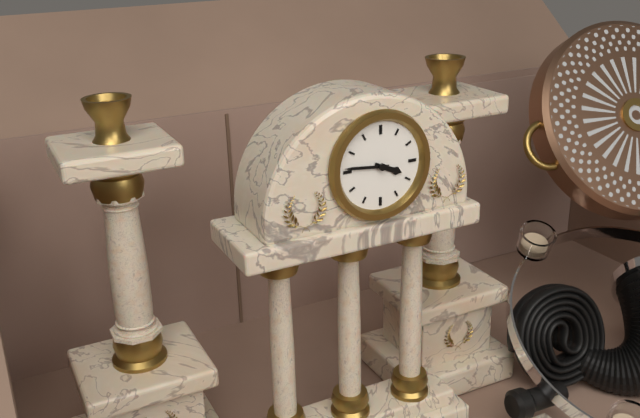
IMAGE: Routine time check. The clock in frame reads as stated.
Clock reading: 3:46
